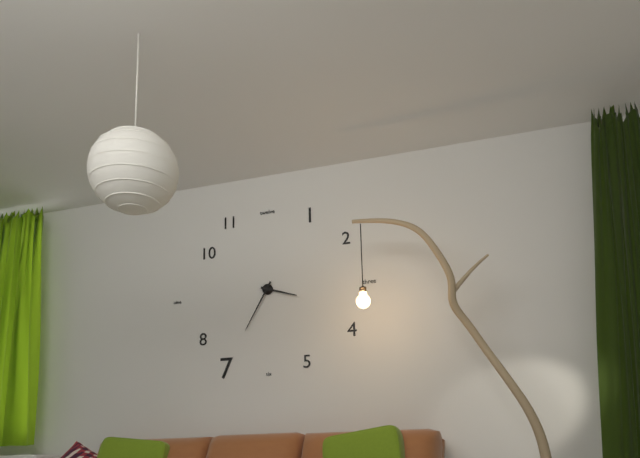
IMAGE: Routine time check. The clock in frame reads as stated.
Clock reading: 3:35
